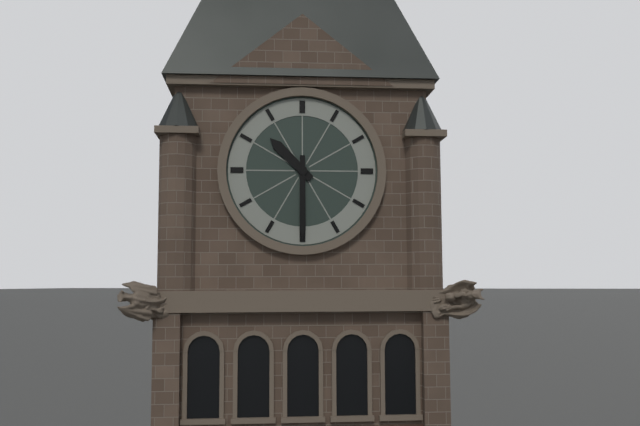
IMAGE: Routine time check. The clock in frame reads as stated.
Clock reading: 10:30
